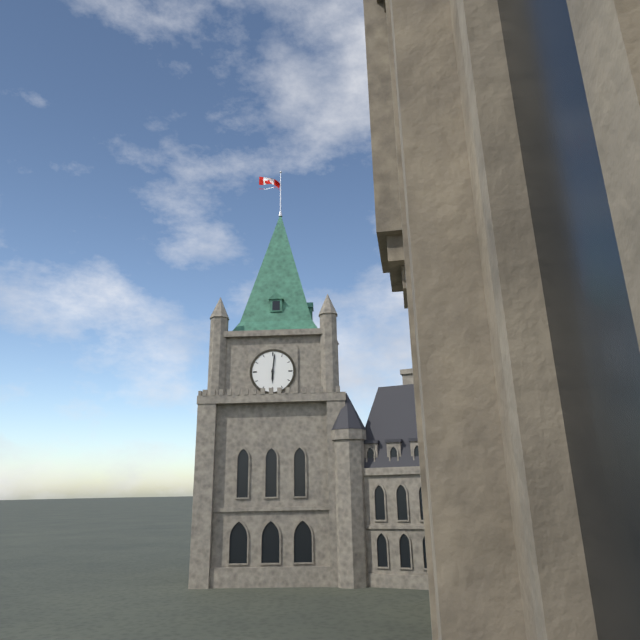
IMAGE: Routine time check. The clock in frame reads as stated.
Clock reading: 6:01
